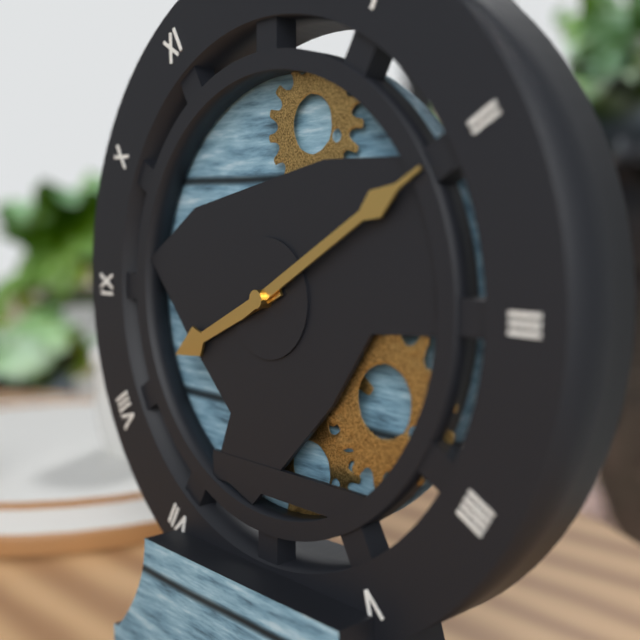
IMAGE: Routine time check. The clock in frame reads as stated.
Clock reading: 8:10
